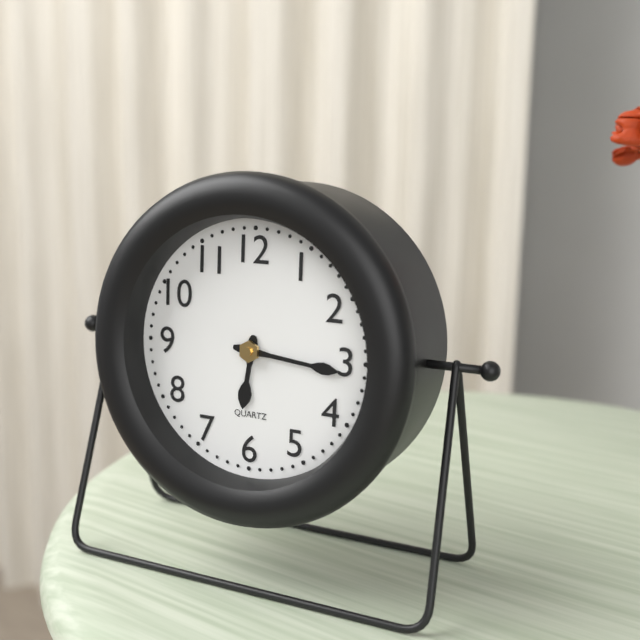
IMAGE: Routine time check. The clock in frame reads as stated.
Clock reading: 6:16
